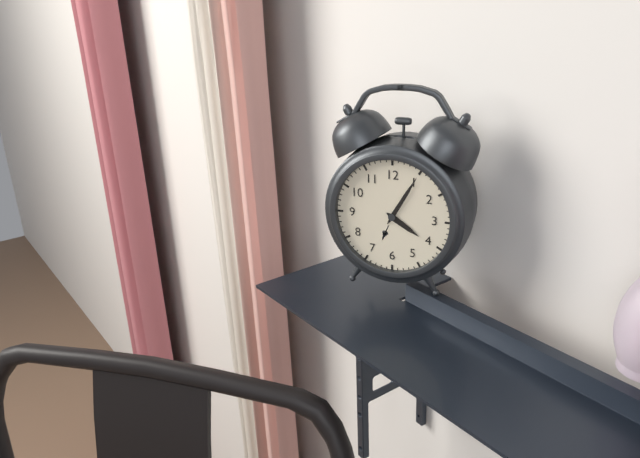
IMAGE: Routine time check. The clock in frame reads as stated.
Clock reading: 4:05
